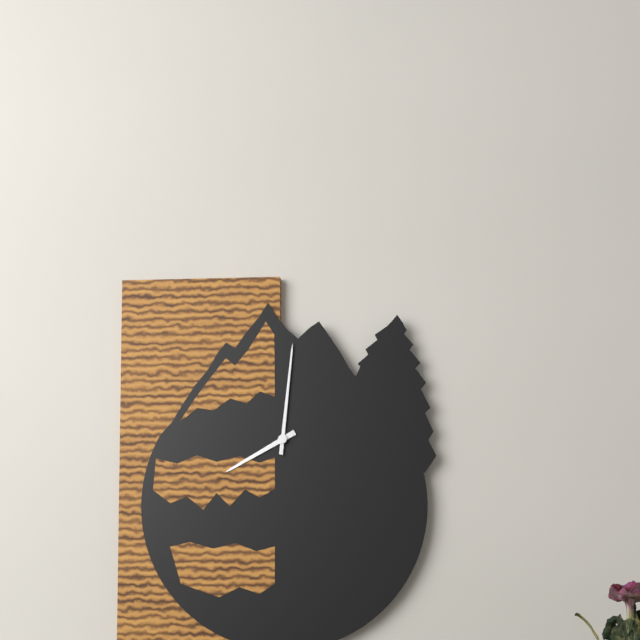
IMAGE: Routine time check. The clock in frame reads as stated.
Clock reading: 8:01
